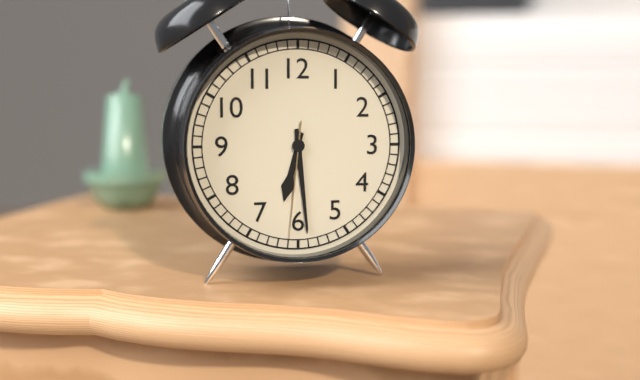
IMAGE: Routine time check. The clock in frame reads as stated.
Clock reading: 6:29:31
